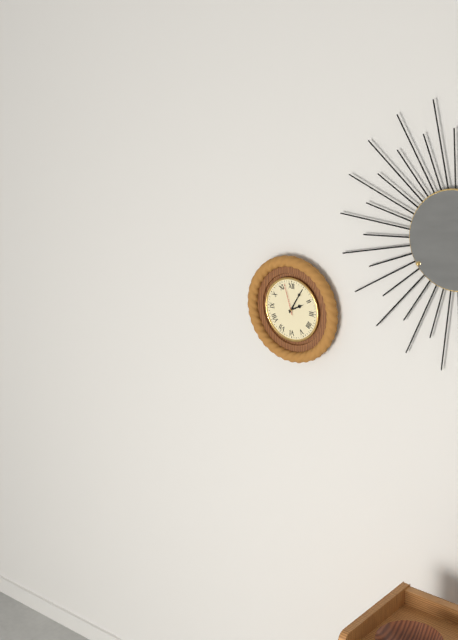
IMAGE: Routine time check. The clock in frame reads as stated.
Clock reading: 2:05
